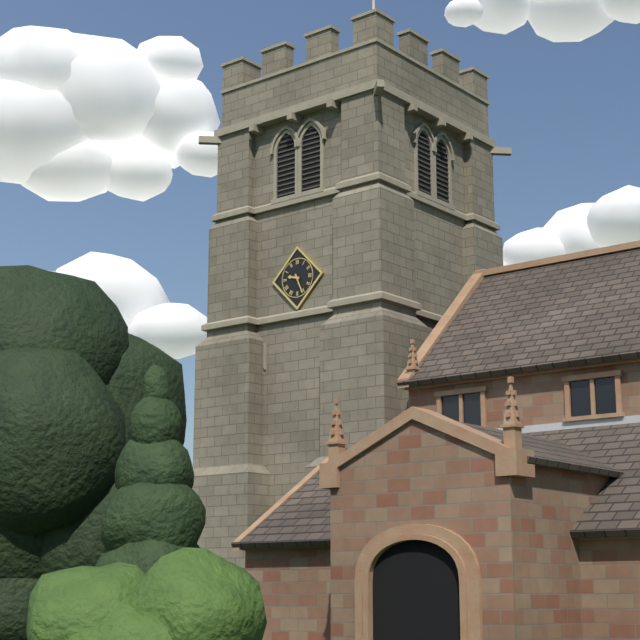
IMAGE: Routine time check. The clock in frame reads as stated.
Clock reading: 9:26
